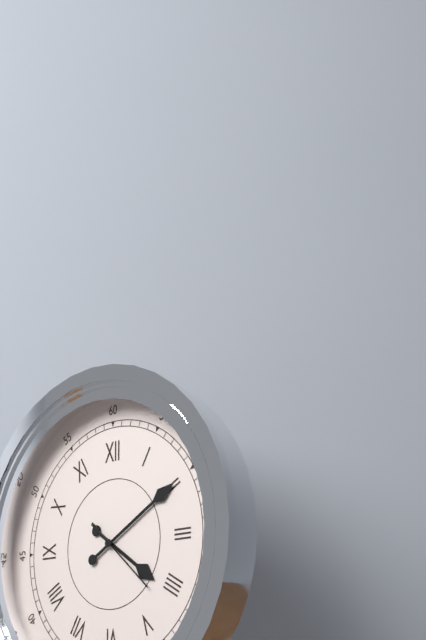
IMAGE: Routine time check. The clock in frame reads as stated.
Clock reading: 4:10:22
